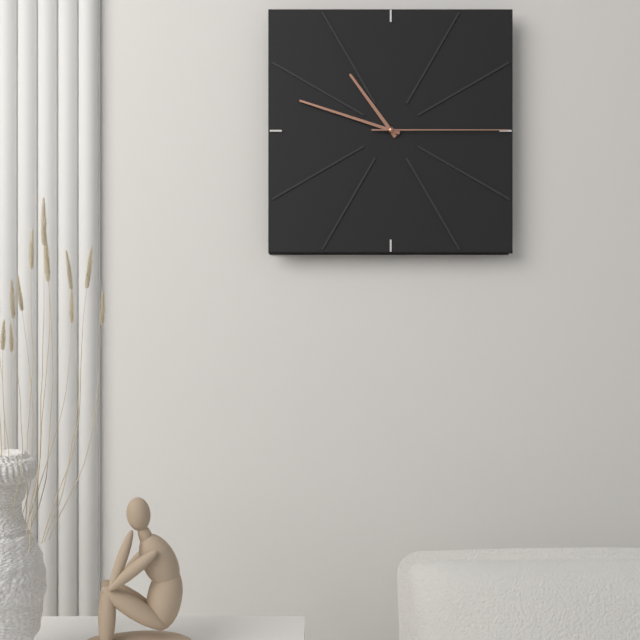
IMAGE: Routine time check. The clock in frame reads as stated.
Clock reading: 10:48:15
